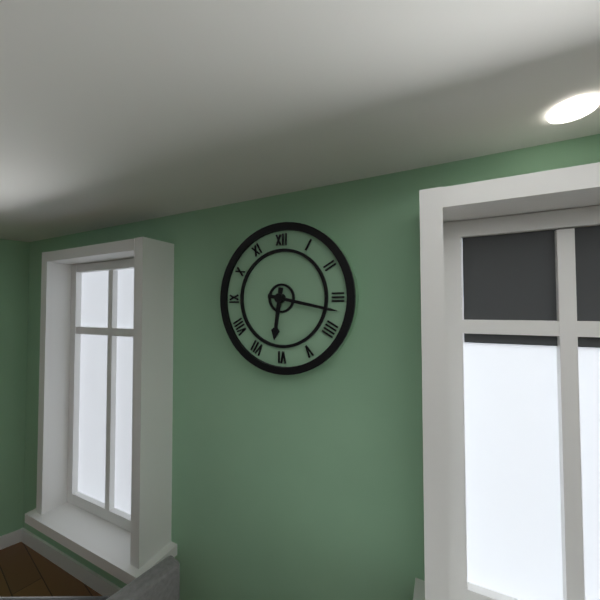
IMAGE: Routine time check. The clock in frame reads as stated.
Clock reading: 6:17
